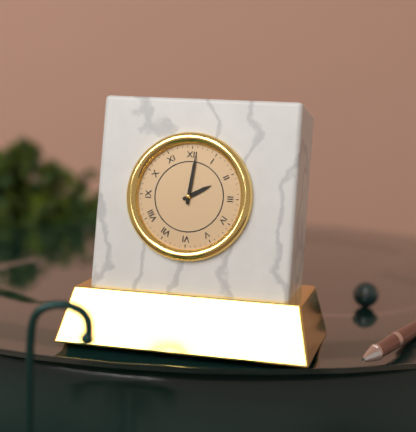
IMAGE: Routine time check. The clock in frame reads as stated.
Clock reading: 2:01
